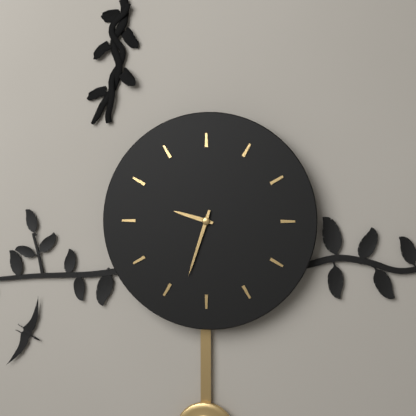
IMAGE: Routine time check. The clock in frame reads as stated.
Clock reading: 9:33
